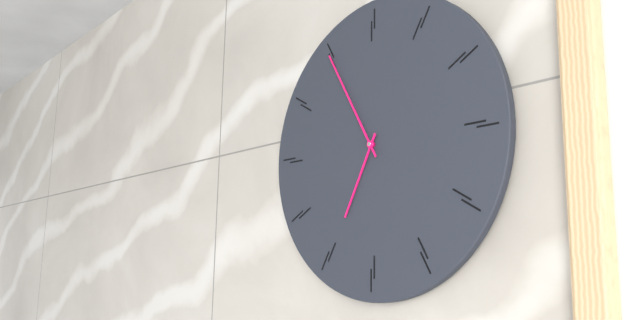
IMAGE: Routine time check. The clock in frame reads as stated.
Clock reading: 6:55
